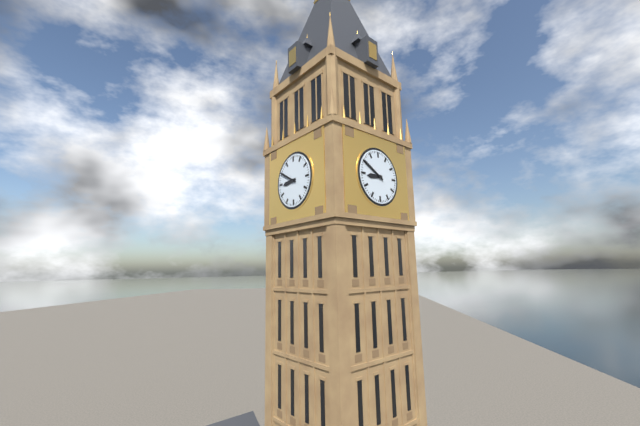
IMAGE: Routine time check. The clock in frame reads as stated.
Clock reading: 8:50
